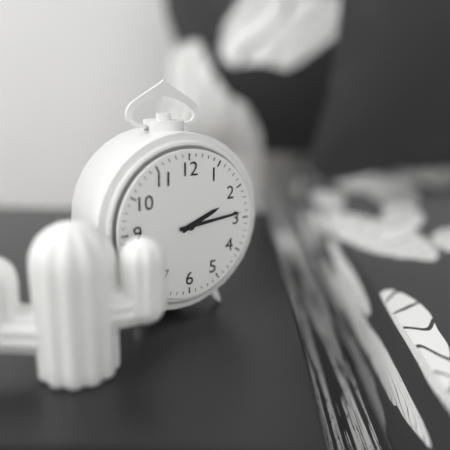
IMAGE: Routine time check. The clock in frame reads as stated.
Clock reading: 2:14
